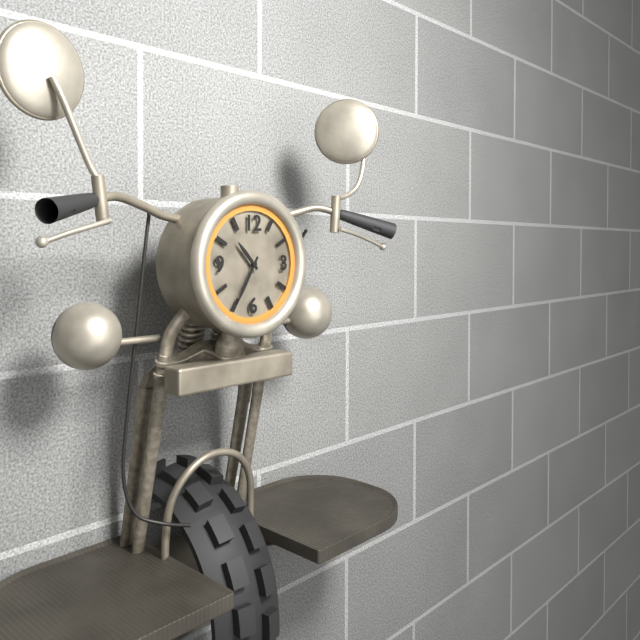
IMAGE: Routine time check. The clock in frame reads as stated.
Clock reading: 10:35
